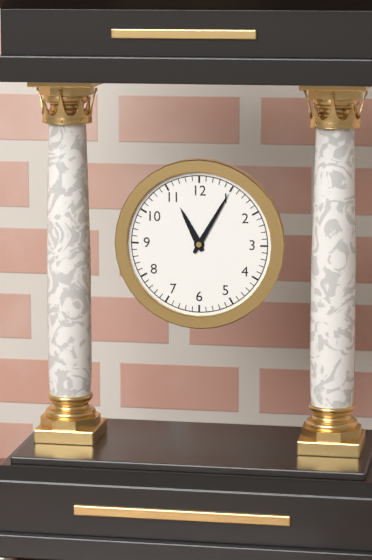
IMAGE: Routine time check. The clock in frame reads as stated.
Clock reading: 11:05
